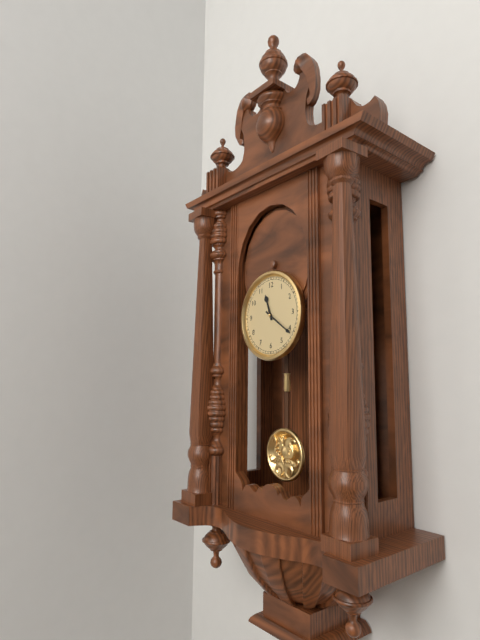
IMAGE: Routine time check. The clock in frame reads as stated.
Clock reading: 11:21
